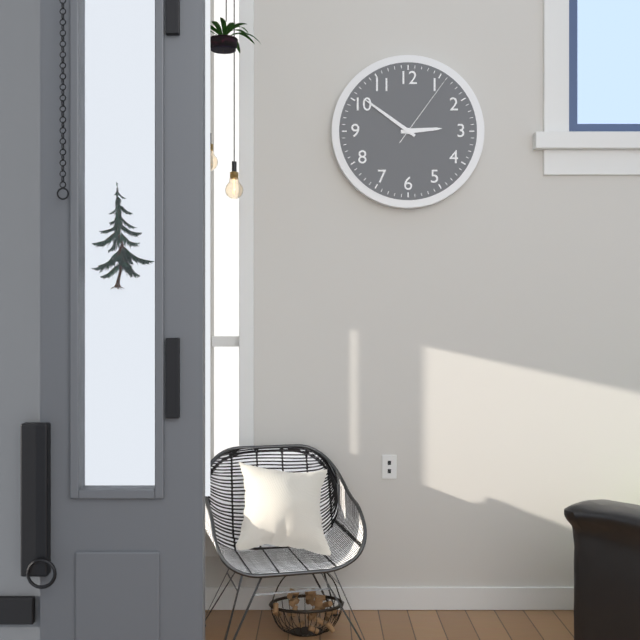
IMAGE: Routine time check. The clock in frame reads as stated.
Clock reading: 2:51:06
